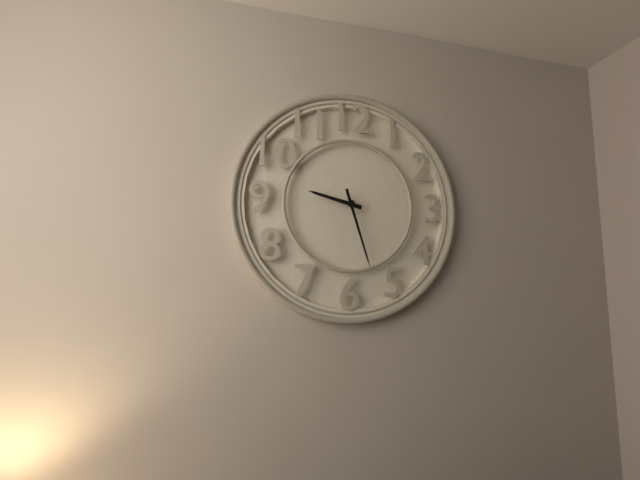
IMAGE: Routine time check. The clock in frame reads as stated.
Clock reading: 9:27
